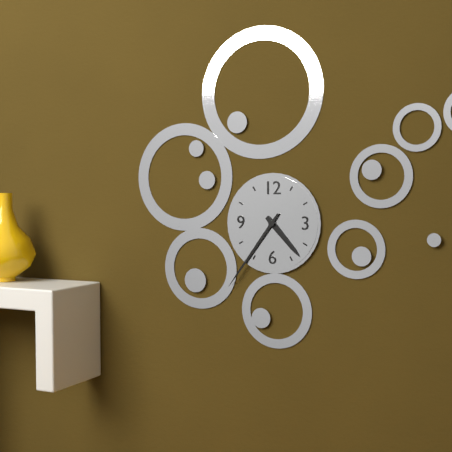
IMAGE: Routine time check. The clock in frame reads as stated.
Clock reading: 4:36
